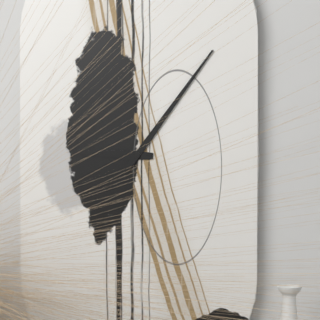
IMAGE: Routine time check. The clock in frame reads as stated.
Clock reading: 9:06
